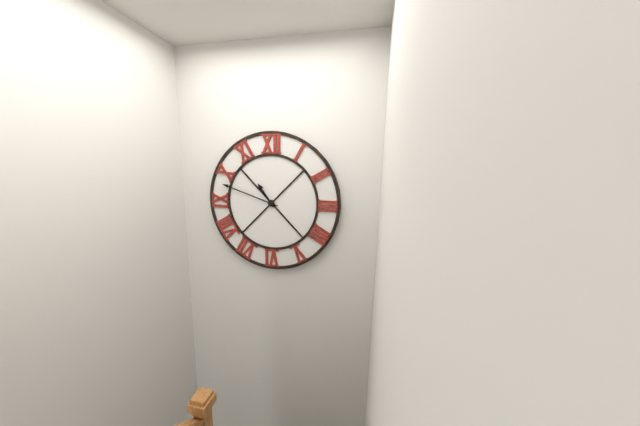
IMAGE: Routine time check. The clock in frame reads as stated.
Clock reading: 10:48
